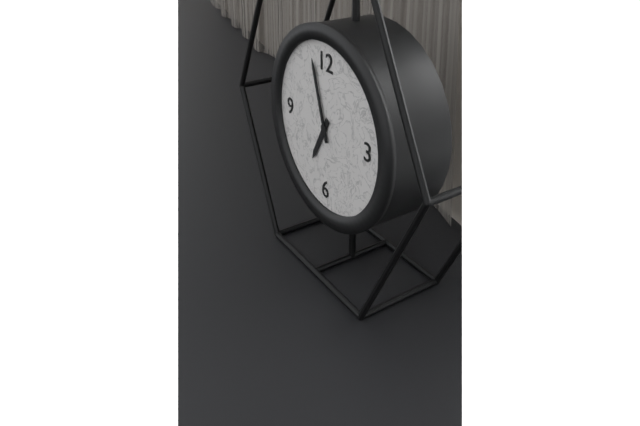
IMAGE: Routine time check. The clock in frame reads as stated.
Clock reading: 6:57
